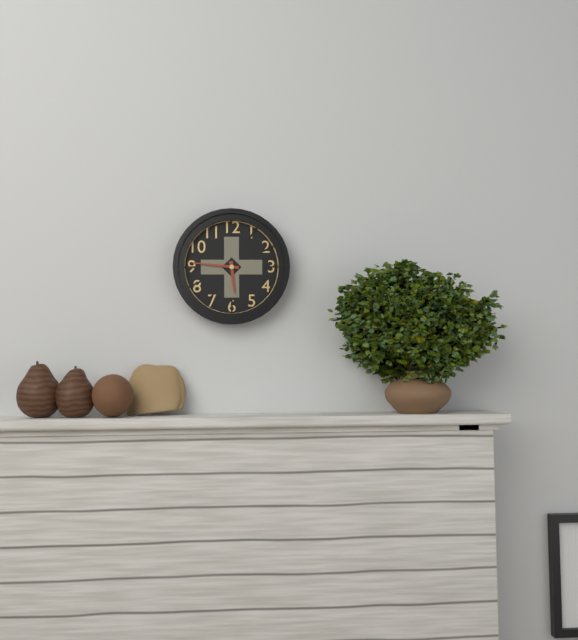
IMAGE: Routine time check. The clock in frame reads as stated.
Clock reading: 5:46
